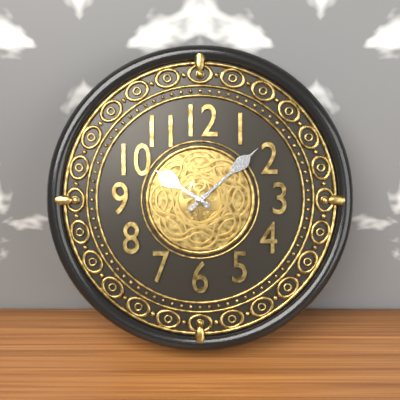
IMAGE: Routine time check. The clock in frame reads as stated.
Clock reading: 10:08
